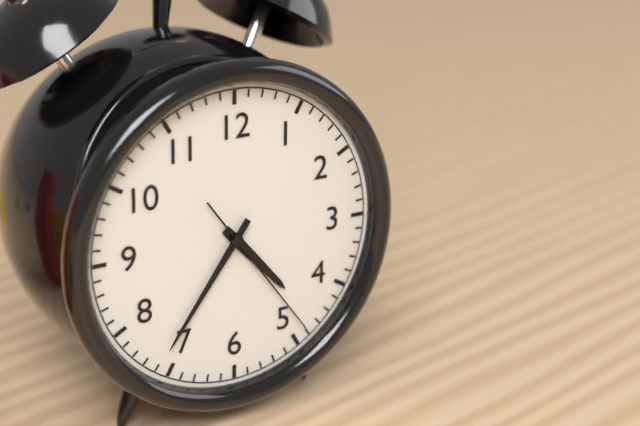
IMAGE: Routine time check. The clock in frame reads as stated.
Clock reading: 4:36:24
